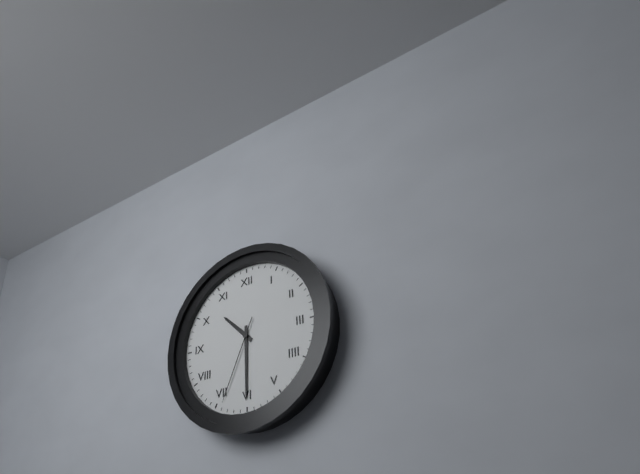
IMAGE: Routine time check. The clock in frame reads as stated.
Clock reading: 10:30:34
